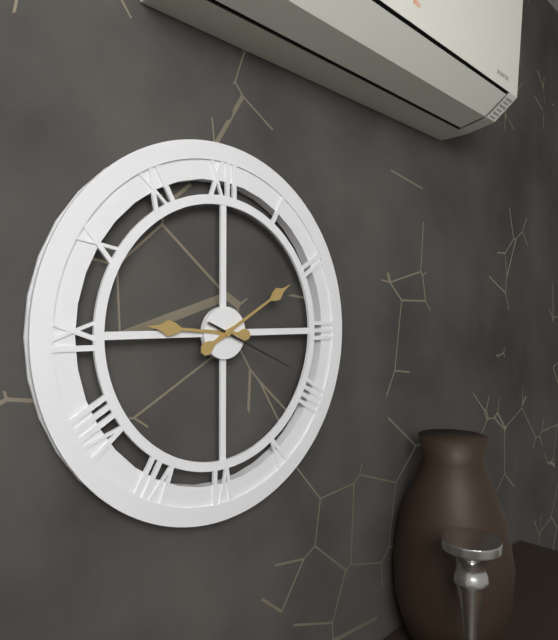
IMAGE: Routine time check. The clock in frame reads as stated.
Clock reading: 9:10:19
